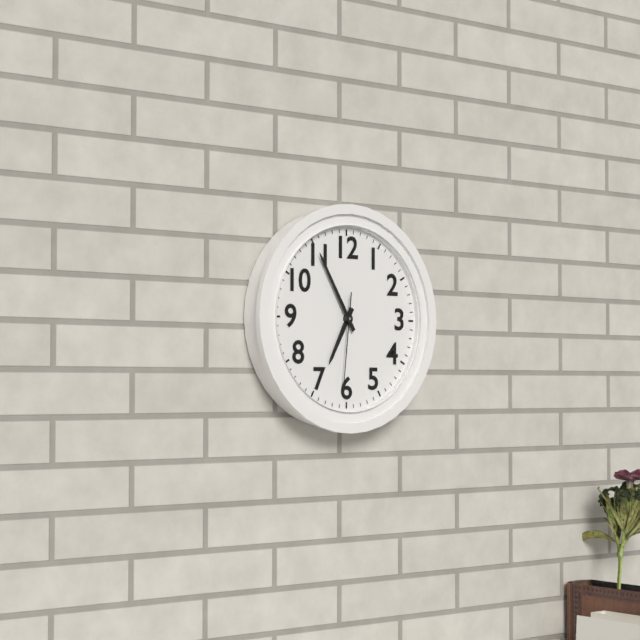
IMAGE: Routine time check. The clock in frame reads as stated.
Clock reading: 6:55:31
